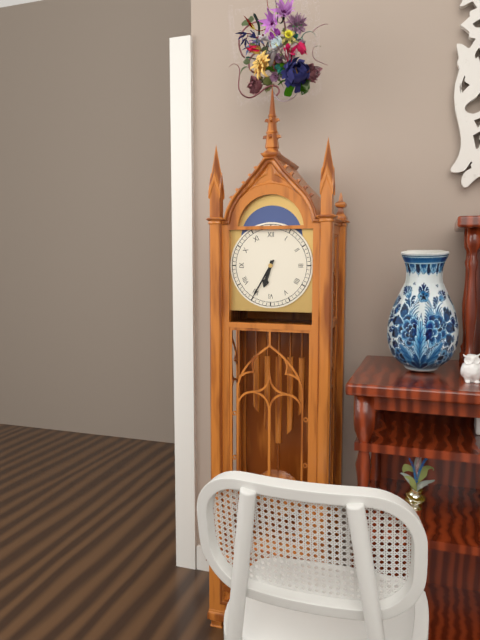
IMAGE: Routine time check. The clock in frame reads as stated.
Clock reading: 6:35
